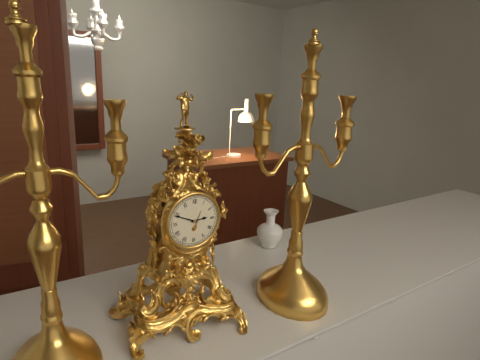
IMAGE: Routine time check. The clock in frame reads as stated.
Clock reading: 2:49
